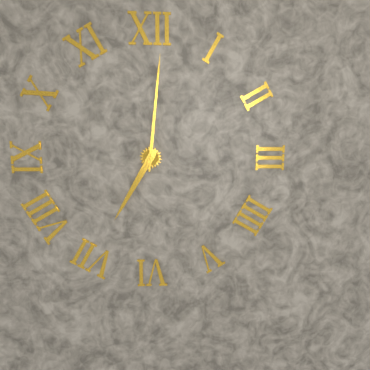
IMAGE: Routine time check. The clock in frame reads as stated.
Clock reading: 7:01
